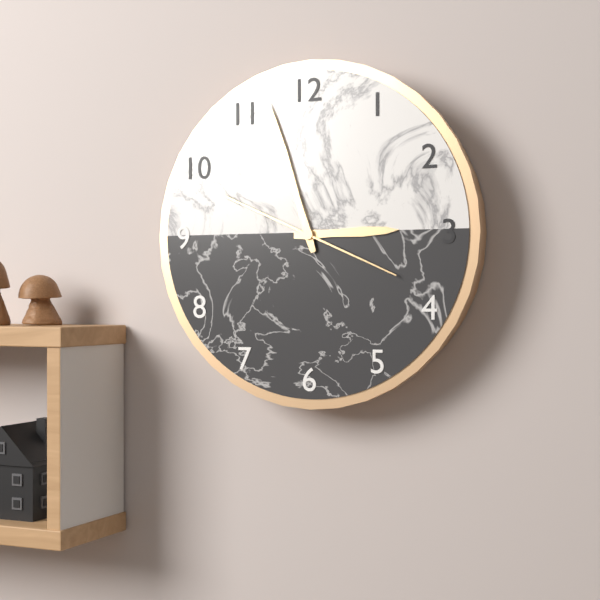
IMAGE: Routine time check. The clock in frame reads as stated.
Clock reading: 2:57:49
